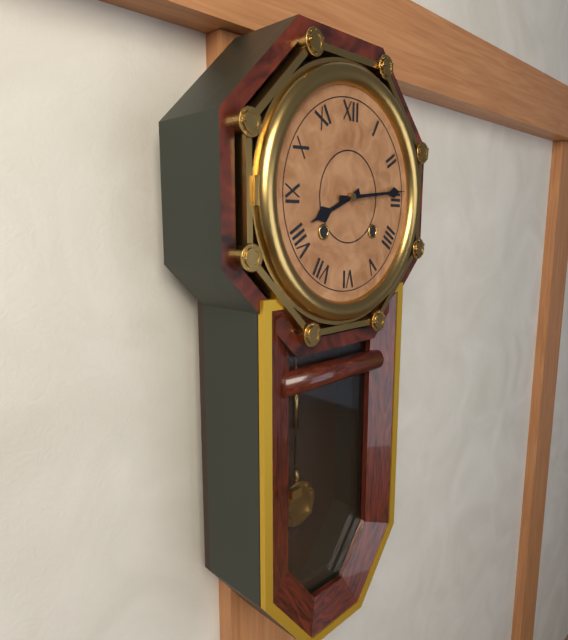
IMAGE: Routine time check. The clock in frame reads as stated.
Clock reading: 8:14
